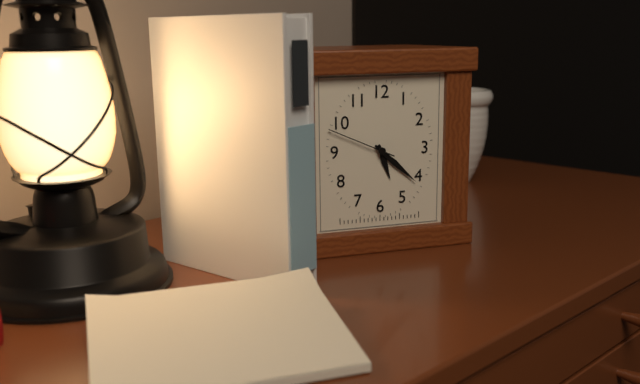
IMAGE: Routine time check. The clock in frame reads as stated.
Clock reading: 5:22:49
